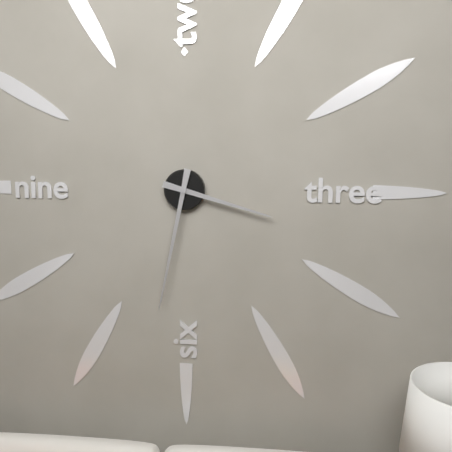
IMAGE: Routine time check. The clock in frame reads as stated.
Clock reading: 3:32
